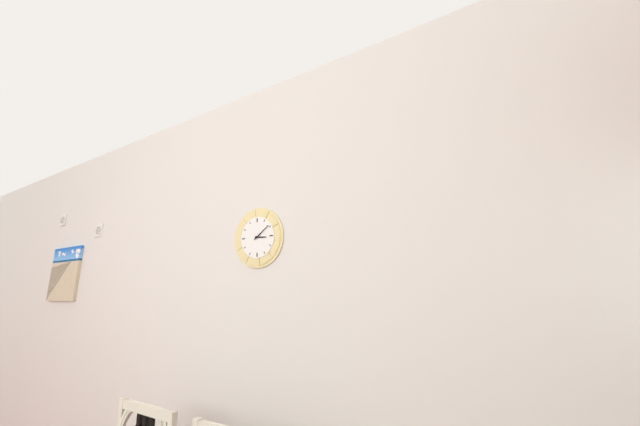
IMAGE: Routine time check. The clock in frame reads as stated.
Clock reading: 3:09
